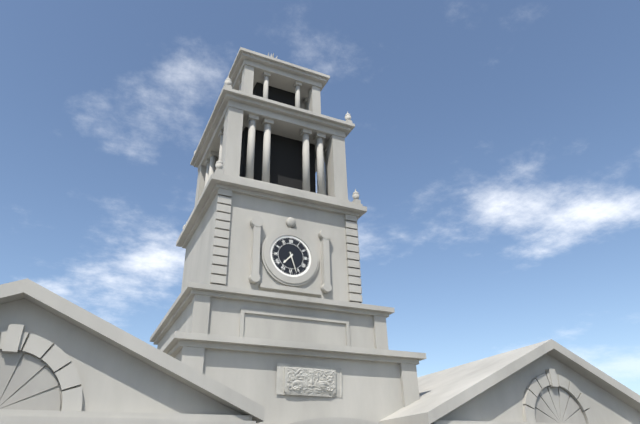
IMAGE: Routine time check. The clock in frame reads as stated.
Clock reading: 7:27
